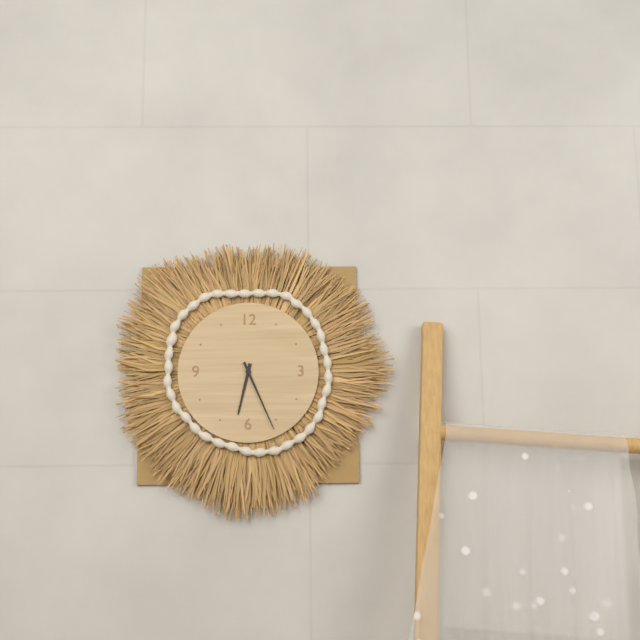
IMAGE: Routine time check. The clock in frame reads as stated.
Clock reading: 6:26
